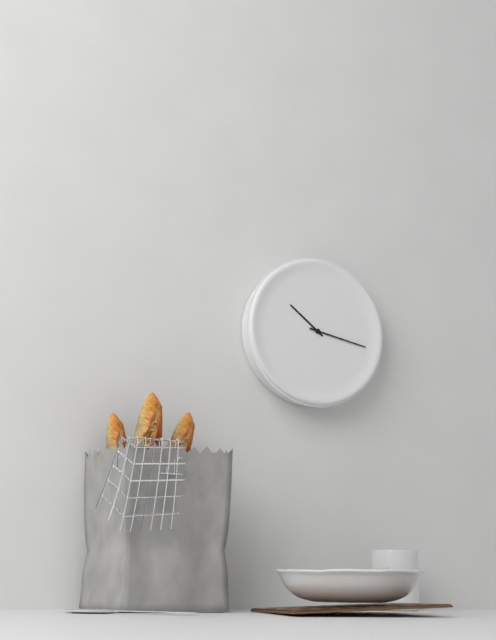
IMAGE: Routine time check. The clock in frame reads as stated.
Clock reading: 10:17
